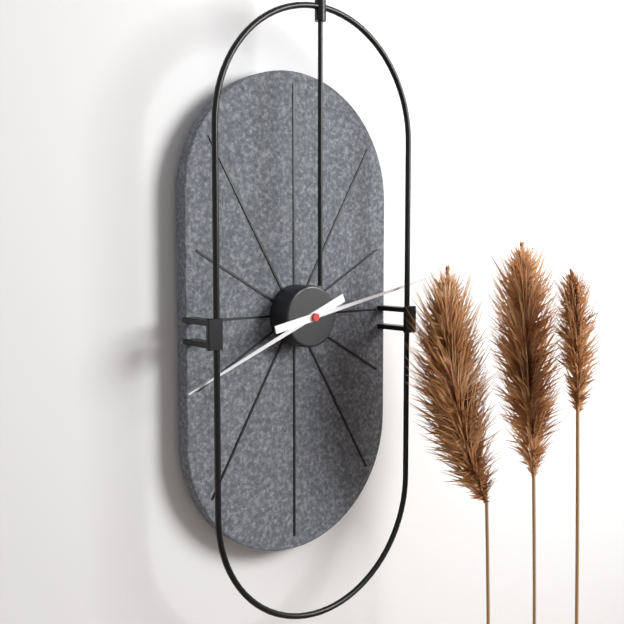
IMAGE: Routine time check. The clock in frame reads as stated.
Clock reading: 8:13
